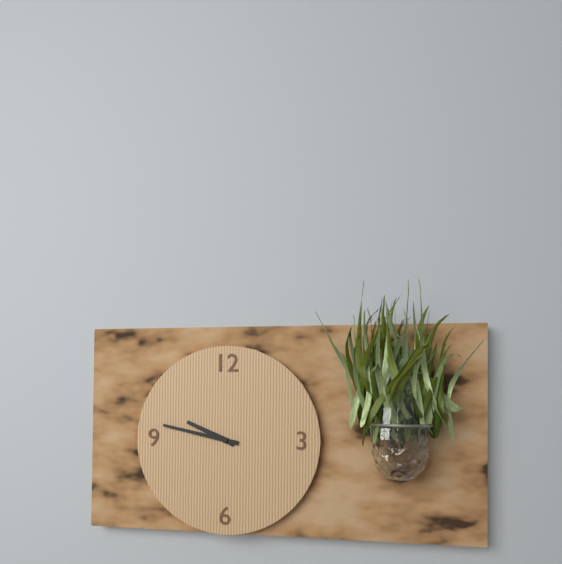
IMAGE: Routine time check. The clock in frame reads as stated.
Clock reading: 9:47
